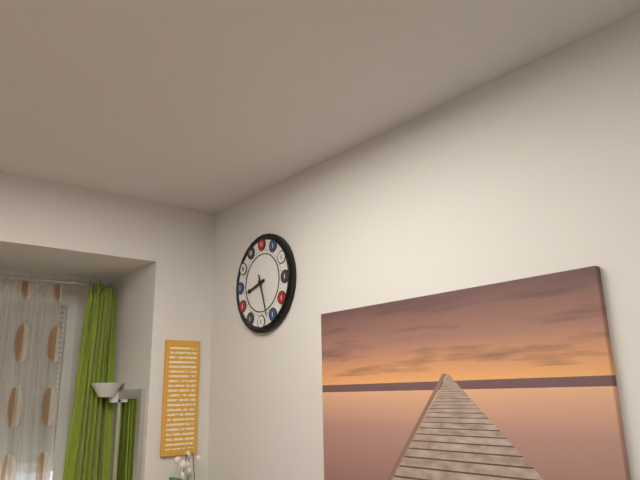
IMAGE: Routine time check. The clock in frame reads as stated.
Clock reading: 8:27
